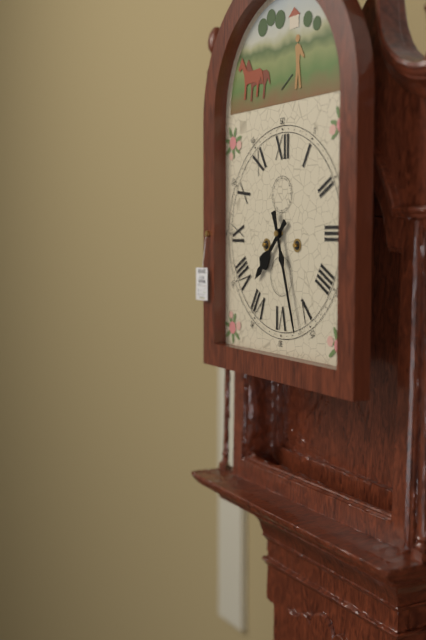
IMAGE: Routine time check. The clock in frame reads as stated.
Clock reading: 7:27
